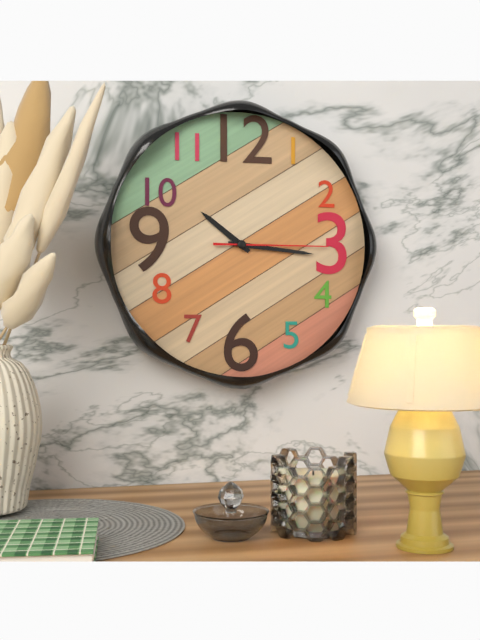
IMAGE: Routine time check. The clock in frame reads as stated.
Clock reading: 10:16:15
